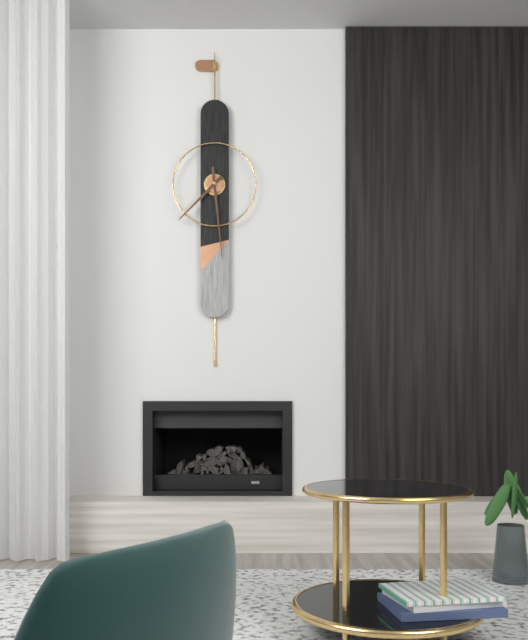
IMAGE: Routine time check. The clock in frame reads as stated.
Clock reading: 7:29
